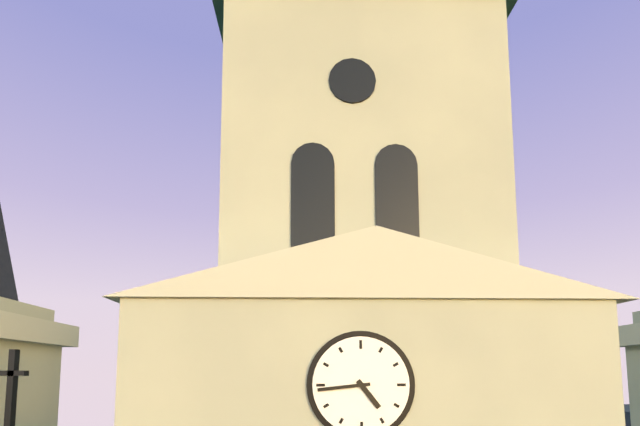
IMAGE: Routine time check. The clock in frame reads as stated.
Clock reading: 4:44
